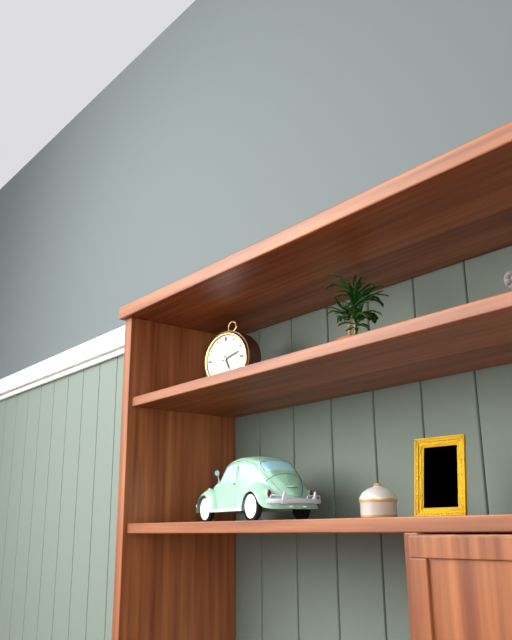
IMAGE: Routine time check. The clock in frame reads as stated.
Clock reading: 5:12
